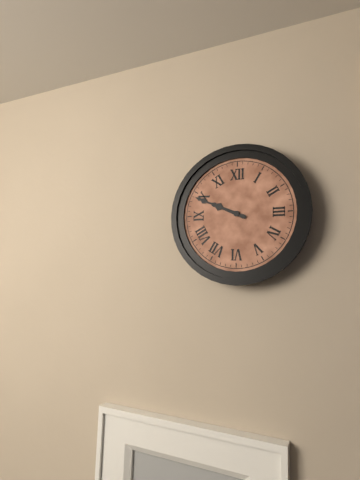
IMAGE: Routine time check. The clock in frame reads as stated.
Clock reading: 9:49
